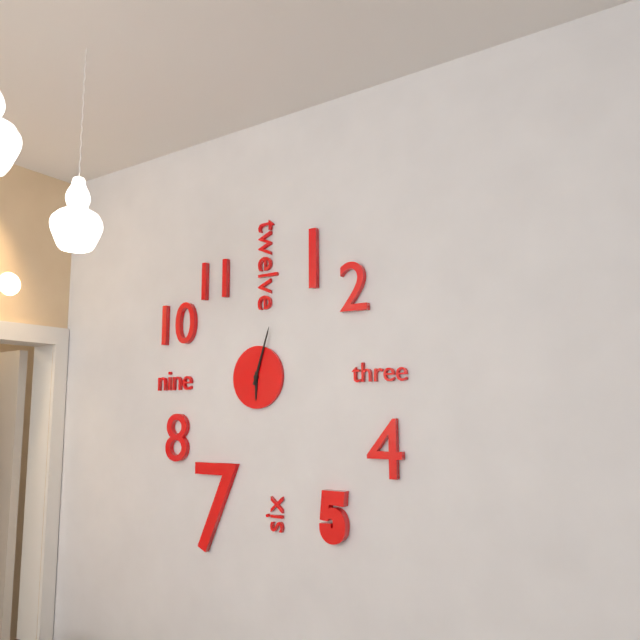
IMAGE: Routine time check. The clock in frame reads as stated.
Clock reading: 6:03
